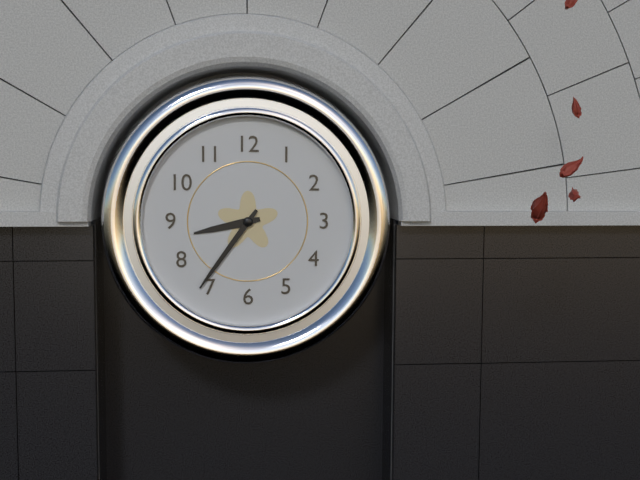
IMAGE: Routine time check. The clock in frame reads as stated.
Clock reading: 8:36
